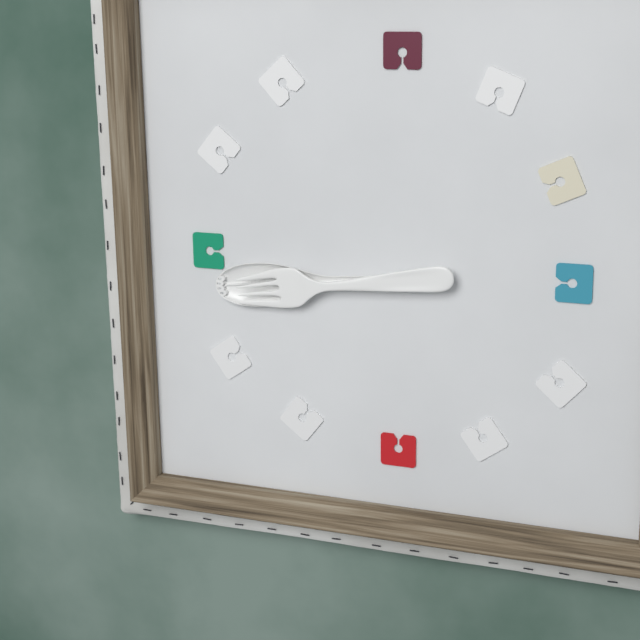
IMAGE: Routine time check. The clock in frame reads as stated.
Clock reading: 8:44
